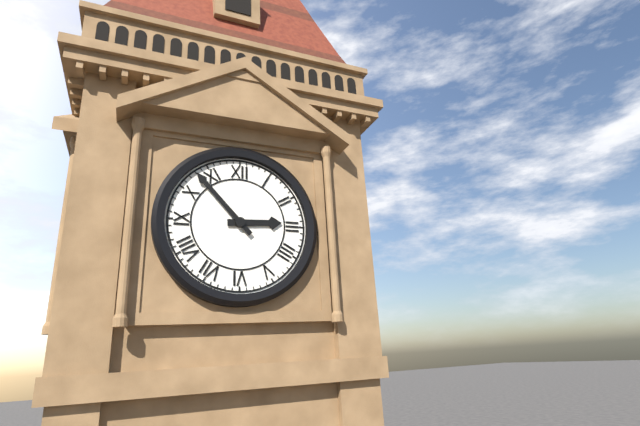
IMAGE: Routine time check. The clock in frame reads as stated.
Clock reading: 2:53
